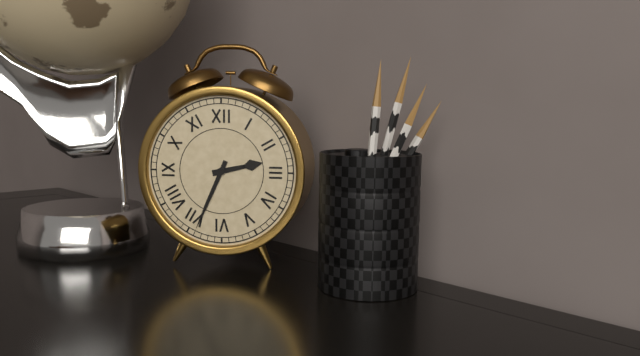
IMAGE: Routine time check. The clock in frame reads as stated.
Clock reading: 2:34
